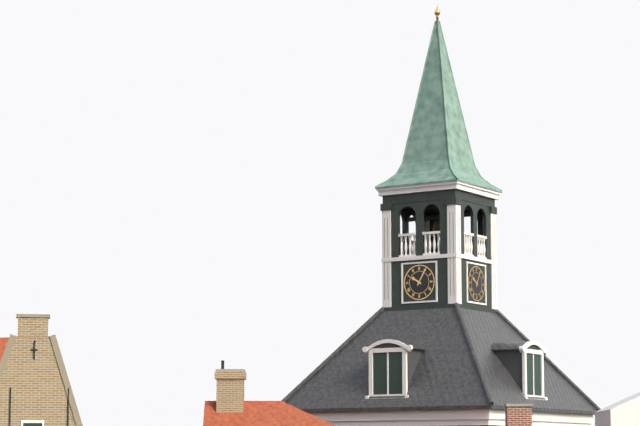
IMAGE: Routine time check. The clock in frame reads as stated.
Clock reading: 10:05
